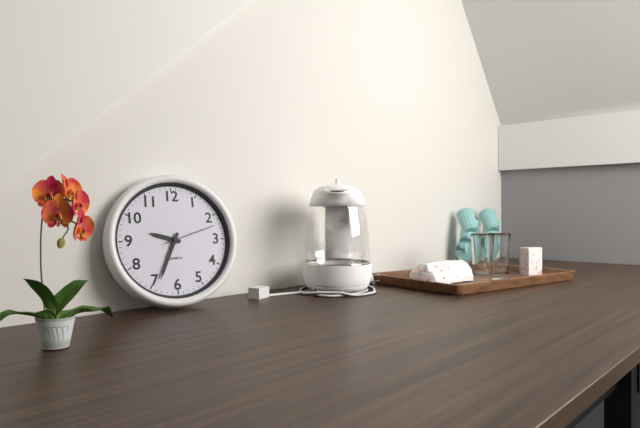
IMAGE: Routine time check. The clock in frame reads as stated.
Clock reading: 9:34:12
